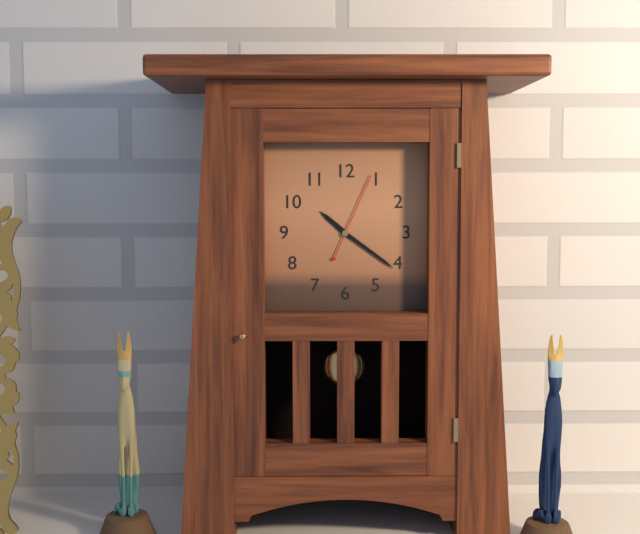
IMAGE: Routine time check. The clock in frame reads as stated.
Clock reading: 10:21:04
